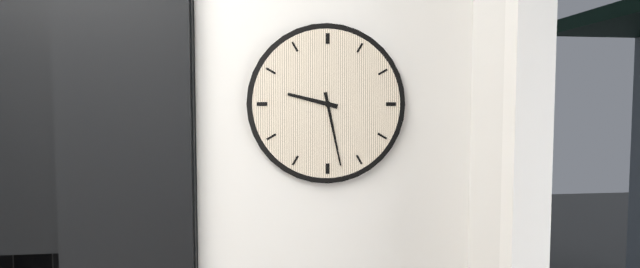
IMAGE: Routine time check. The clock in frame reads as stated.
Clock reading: 9:28
